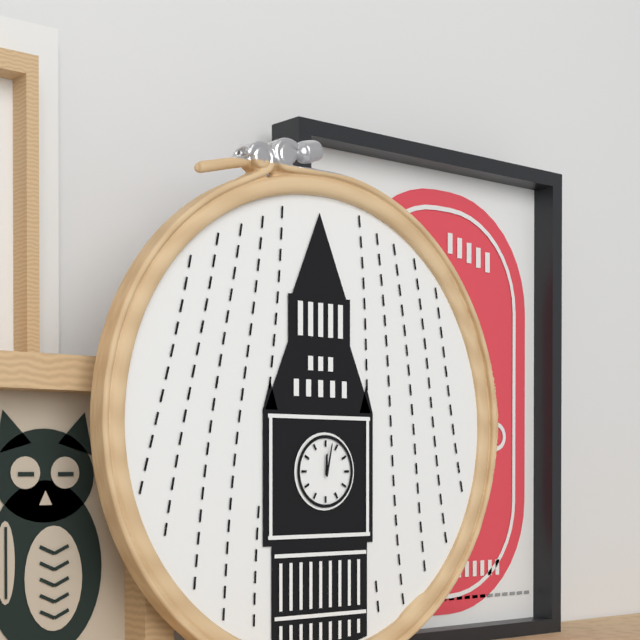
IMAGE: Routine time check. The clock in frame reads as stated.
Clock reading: 12:02
